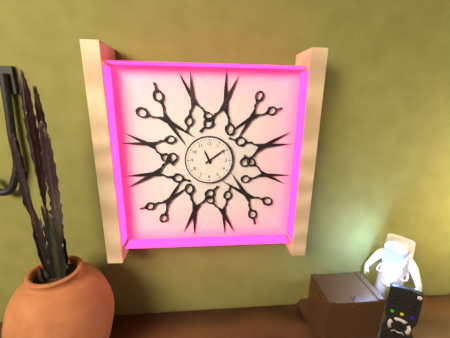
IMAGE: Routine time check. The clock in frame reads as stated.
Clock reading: 11:09
